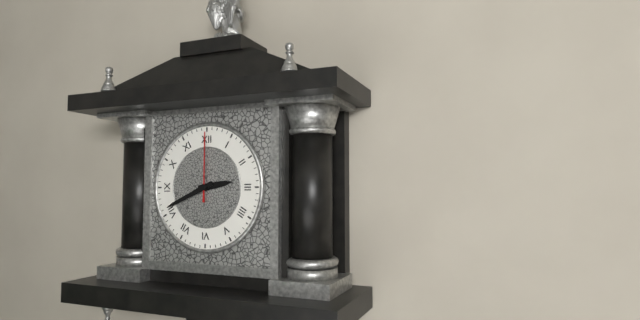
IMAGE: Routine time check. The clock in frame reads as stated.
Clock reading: 2:41:00
